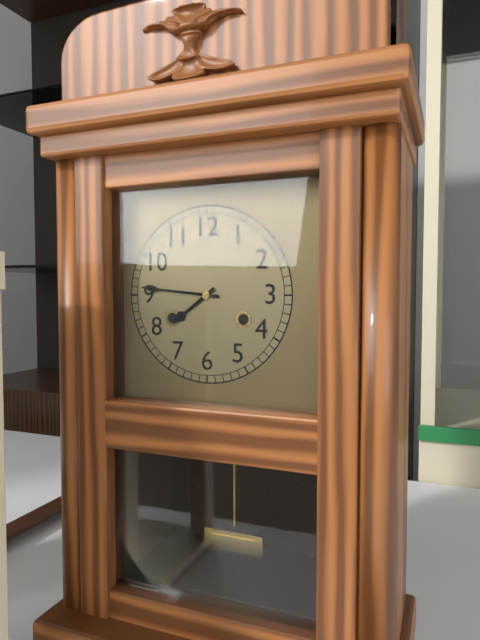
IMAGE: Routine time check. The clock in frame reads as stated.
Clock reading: 7:46
